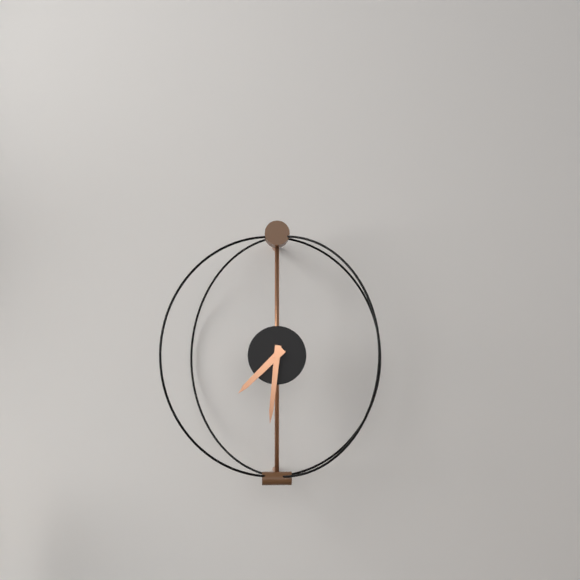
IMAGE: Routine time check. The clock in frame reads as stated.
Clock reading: 7:31
